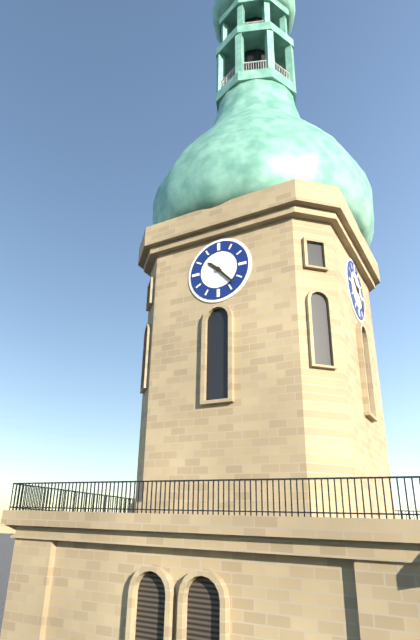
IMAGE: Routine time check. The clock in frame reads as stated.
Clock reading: 10:23
